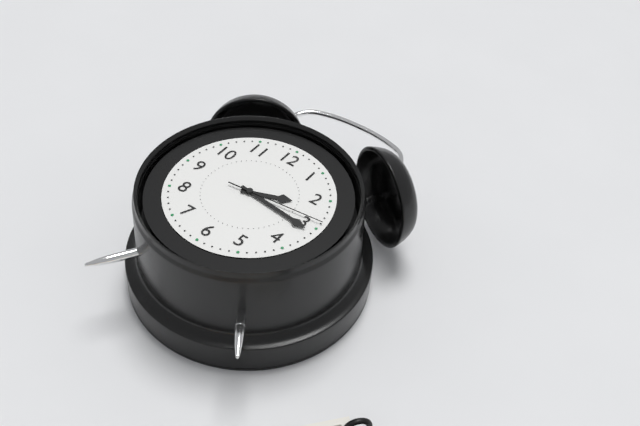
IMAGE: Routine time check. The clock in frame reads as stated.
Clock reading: 2:16:14
